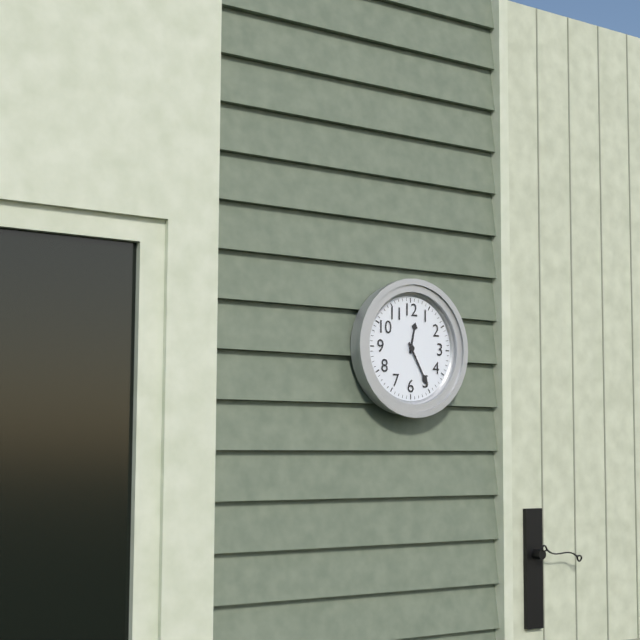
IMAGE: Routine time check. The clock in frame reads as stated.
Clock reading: 12:25
